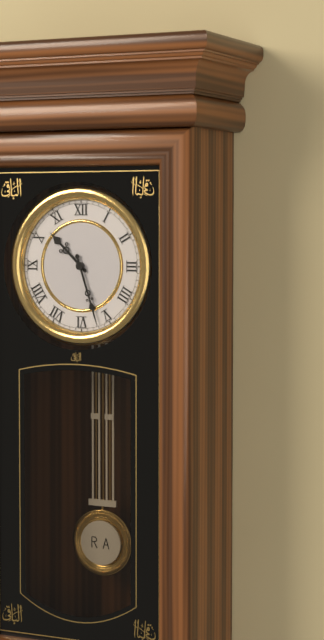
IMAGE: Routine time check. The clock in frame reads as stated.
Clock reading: 10:27
